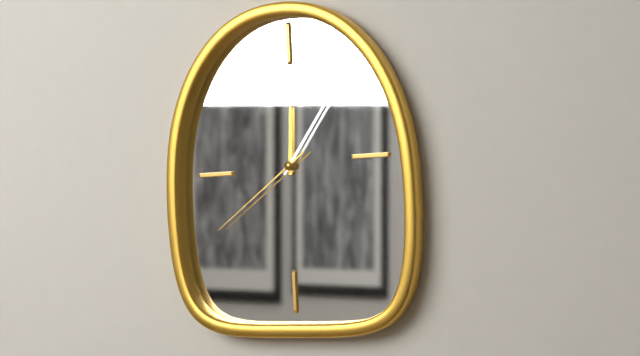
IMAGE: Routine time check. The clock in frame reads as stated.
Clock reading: 12:06:39
